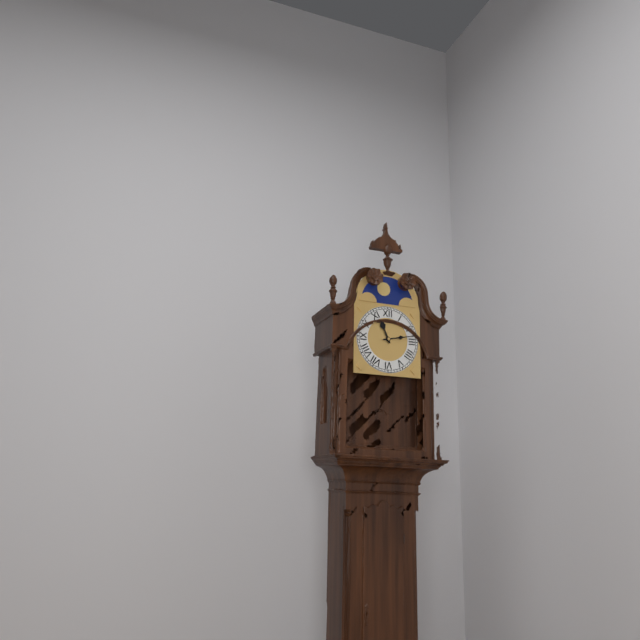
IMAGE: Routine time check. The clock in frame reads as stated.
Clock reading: 11:13
